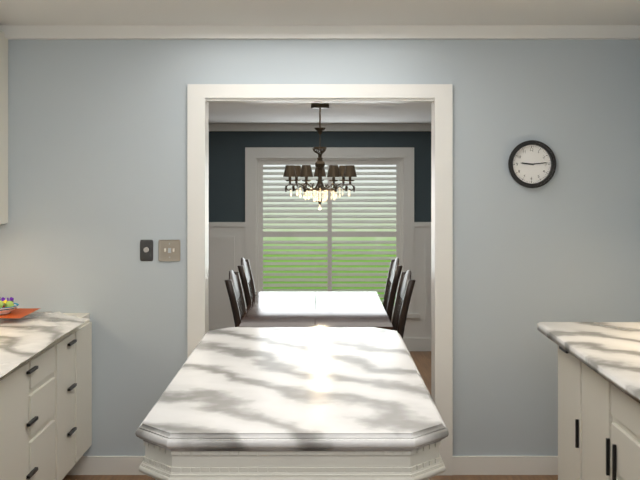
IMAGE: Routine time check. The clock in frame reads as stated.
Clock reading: 9:14
